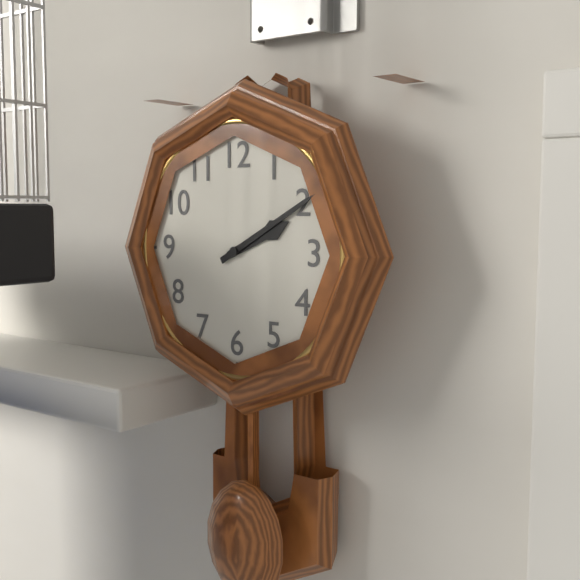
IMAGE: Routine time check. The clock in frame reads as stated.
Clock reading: 2:10
